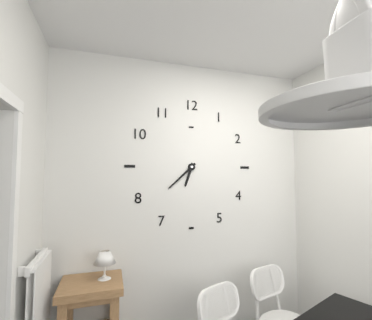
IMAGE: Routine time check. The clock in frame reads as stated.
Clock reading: 6:38
